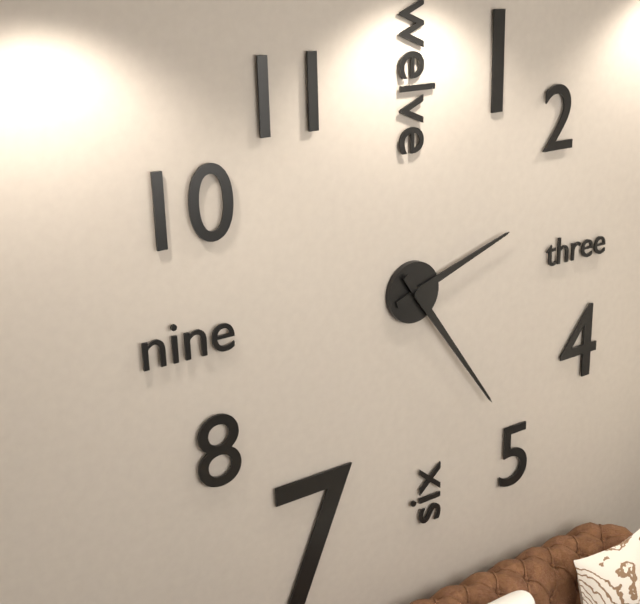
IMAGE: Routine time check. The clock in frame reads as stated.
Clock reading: 2:24
